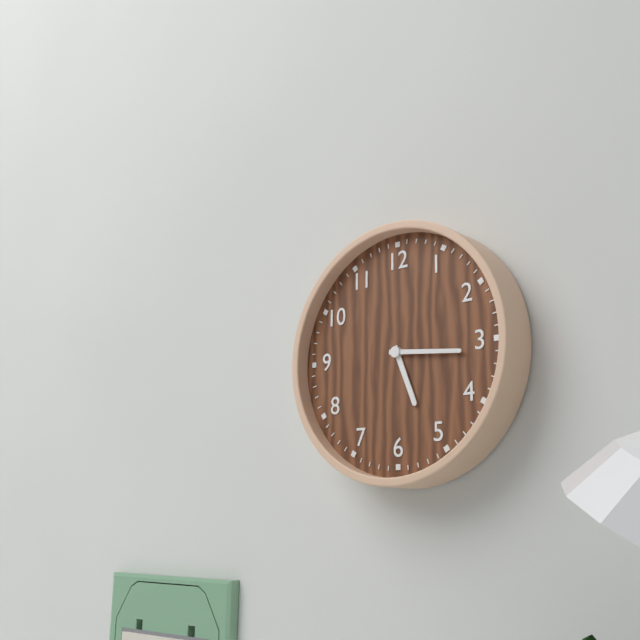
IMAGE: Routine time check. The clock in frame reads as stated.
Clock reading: 5:16
